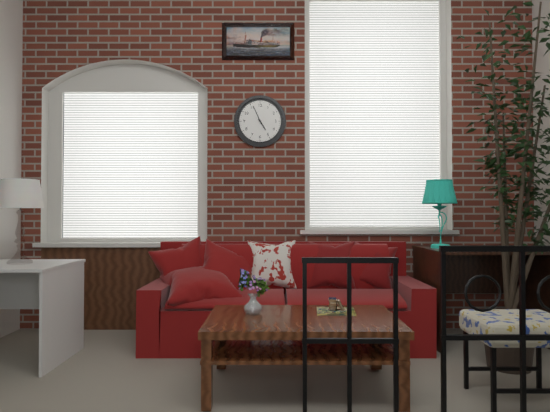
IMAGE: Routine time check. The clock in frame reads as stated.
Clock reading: 4:56
